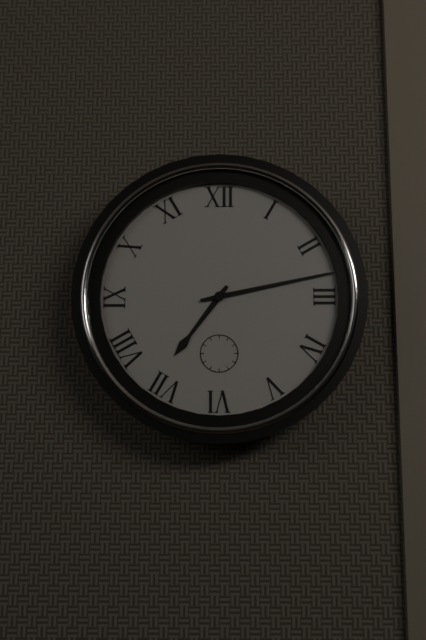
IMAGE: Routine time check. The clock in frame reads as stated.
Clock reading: 7:13
